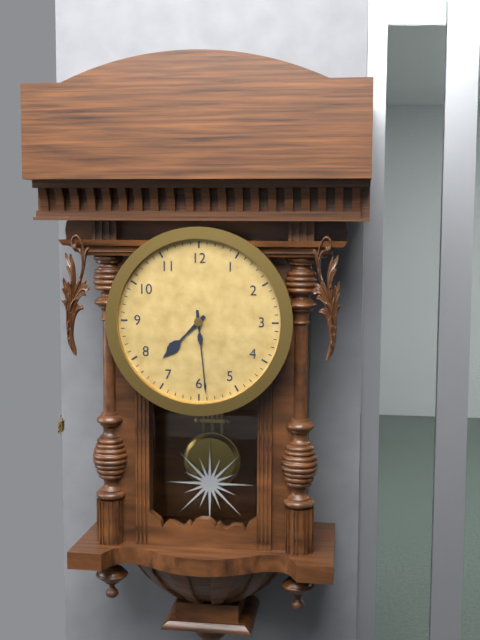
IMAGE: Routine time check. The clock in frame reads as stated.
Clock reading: 7:29
